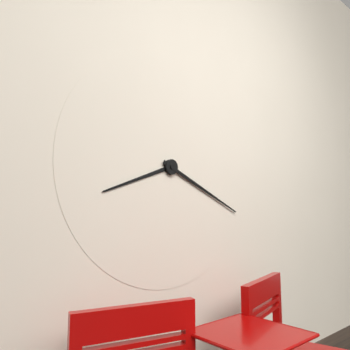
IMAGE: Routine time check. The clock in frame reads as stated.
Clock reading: 8:19
